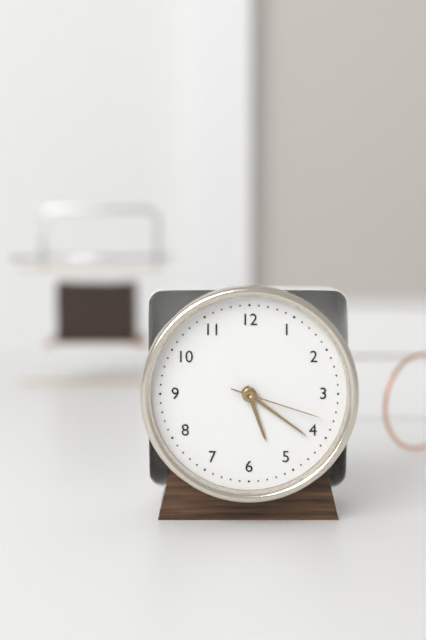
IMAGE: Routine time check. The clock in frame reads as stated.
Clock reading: 5:21:18
